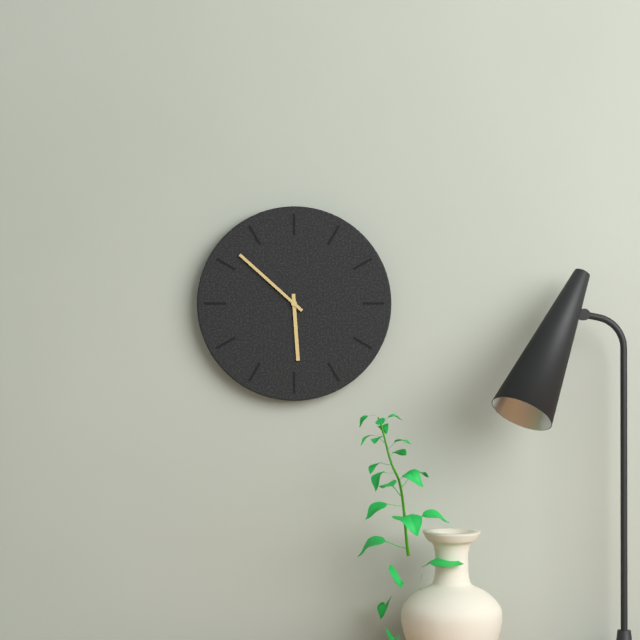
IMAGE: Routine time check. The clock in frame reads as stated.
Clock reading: 5:52
